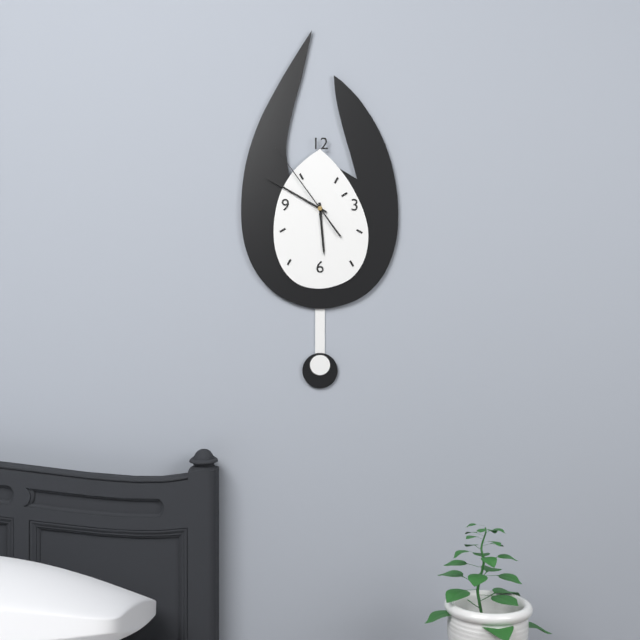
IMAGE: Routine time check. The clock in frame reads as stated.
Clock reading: 5:50:54
